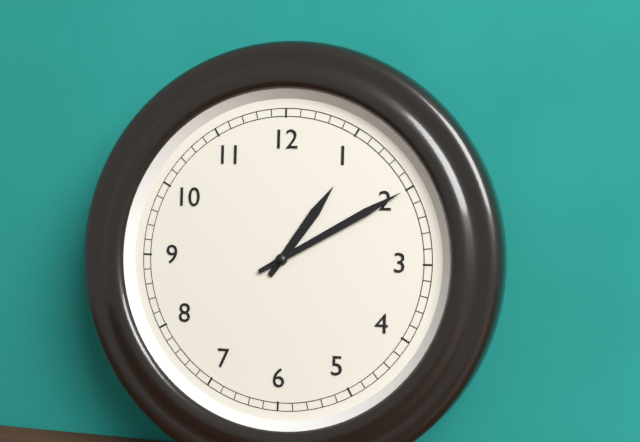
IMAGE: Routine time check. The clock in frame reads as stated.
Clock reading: 1:10
